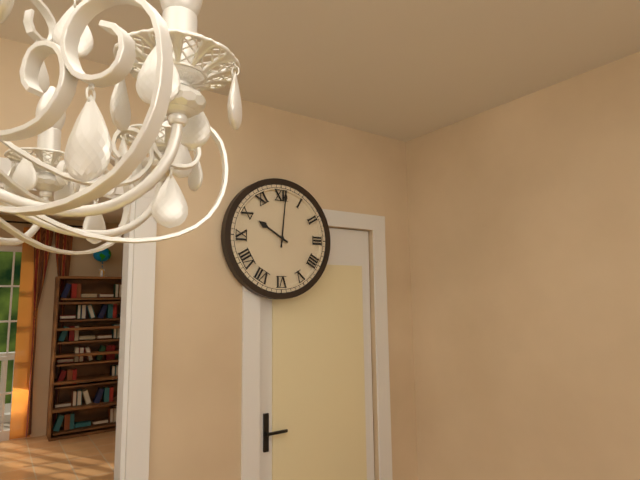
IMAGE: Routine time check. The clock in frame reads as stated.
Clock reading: 10:01
